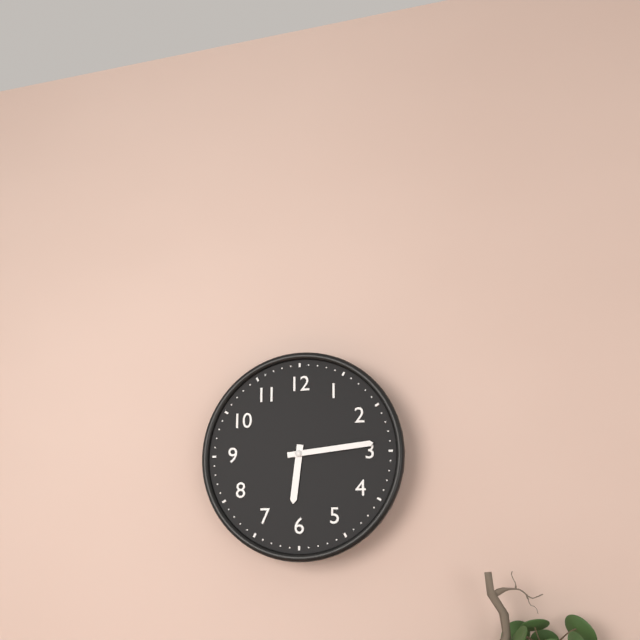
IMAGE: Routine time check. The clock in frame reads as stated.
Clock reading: 6:14
